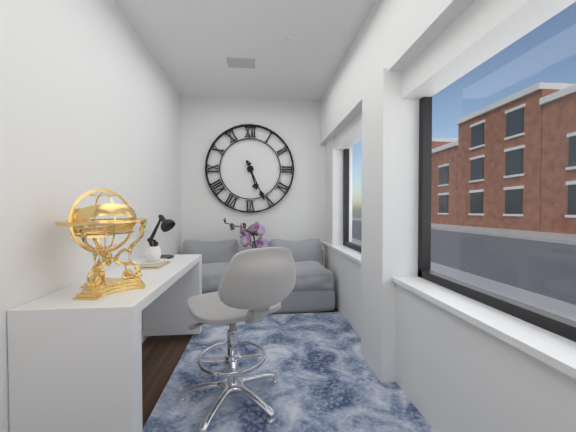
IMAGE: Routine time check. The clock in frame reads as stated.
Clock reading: 5:26
